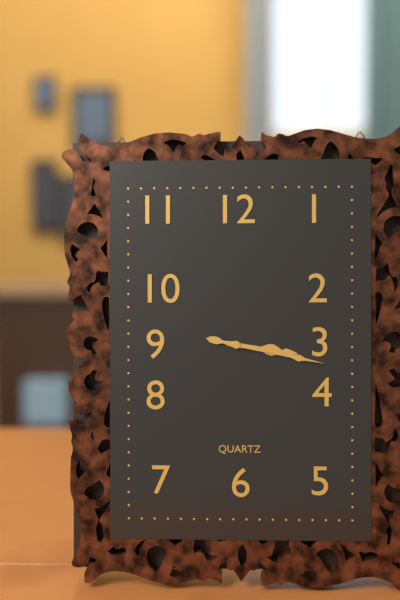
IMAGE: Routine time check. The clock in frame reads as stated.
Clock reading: 3:17
